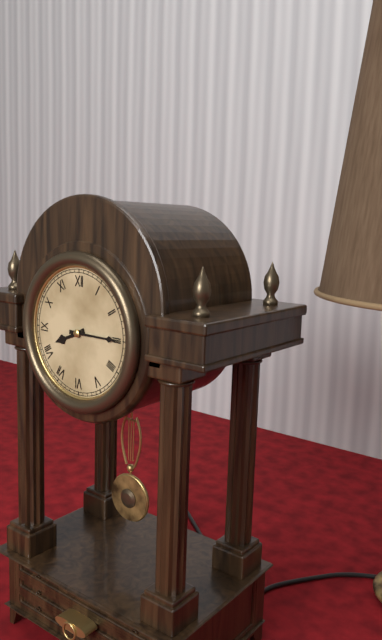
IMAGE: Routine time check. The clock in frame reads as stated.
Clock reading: 8:15
